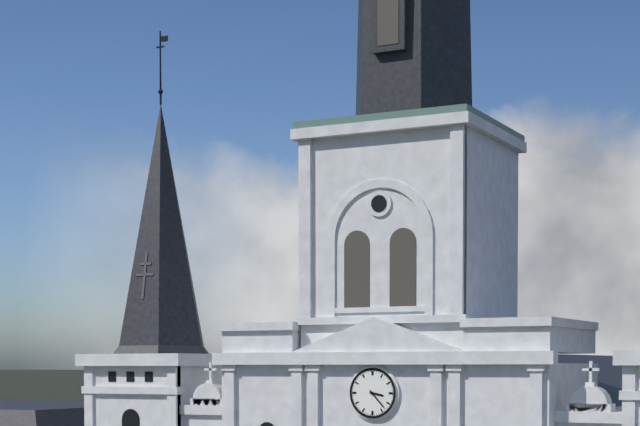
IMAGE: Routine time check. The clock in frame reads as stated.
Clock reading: 3:23
